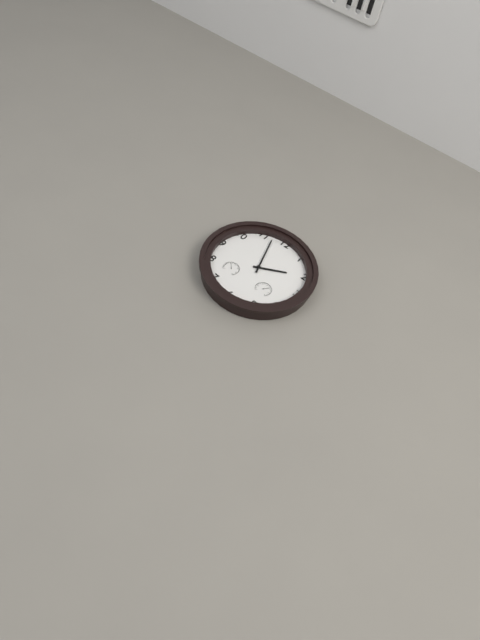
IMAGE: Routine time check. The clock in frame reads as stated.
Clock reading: 1:57
